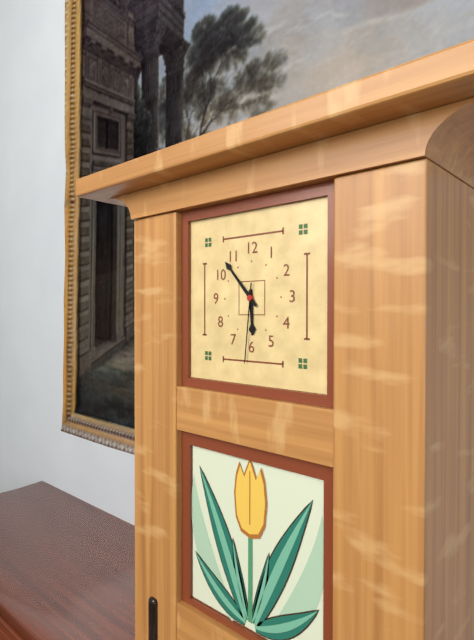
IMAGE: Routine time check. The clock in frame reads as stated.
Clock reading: 5:53:31
